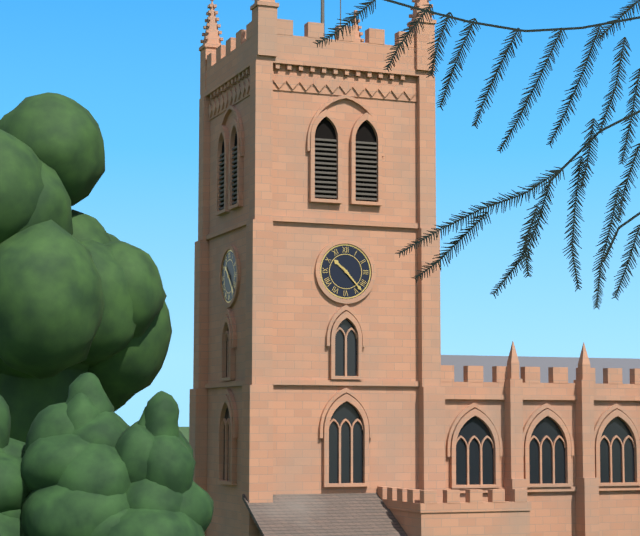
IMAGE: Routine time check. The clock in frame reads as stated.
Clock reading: 10:23
